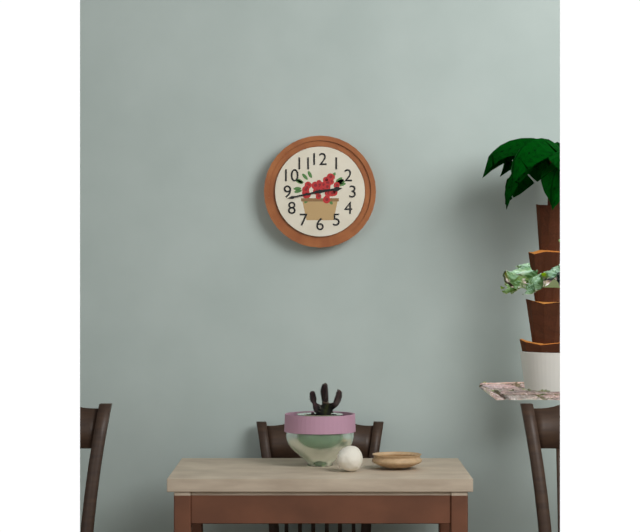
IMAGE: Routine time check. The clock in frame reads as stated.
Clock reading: 2:43
